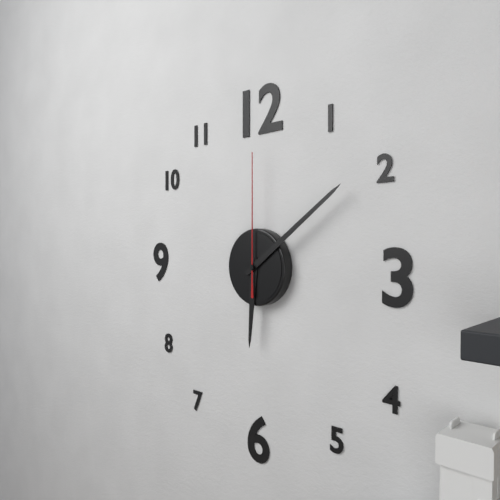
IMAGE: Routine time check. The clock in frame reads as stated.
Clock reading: 6:09:00
